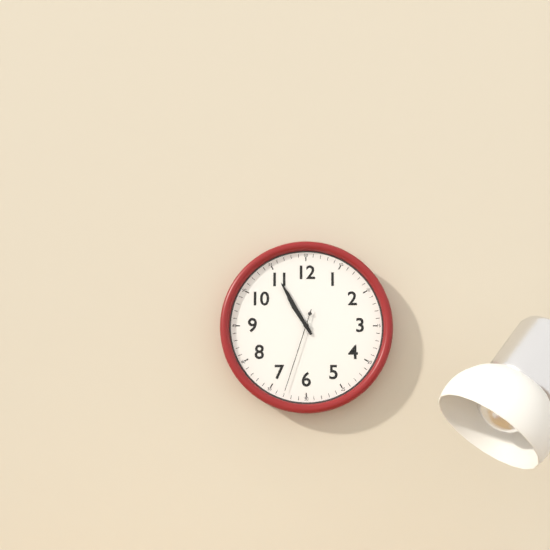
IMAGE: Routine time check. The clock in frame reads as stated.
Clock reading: 10:55:33
